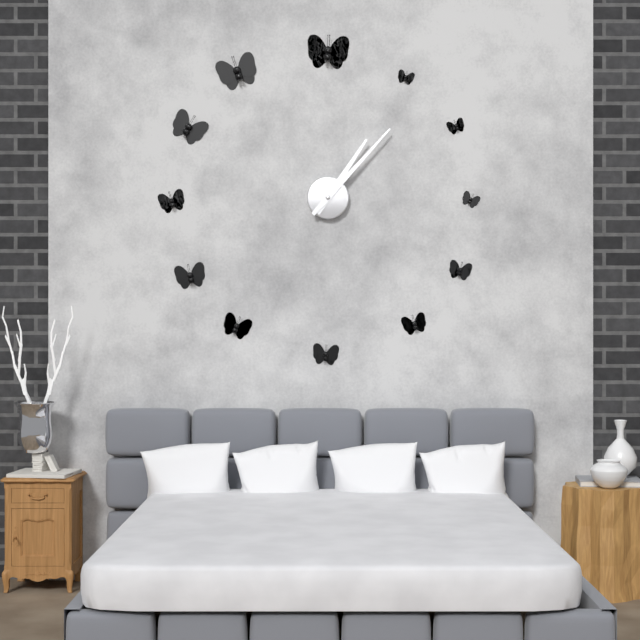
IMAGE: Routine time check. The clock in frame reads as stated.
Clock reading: 1:07
